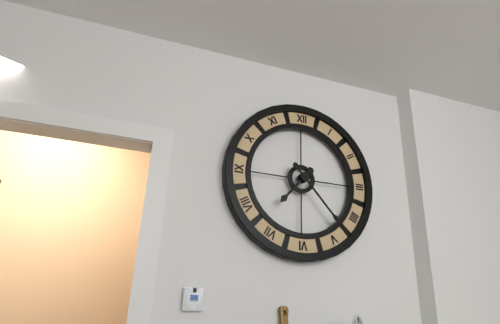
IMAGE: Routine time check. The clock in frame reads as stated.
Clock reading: 7:23
